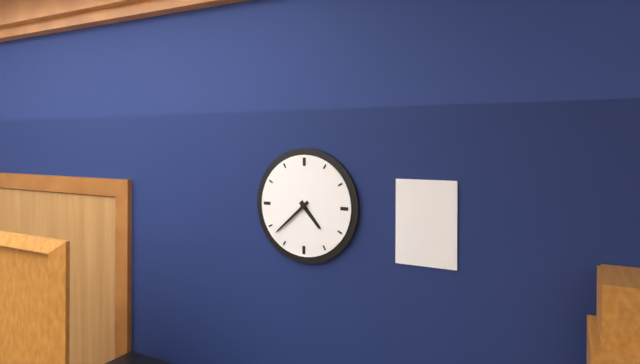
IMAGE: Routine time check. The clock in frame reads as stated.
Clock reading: 4:38
